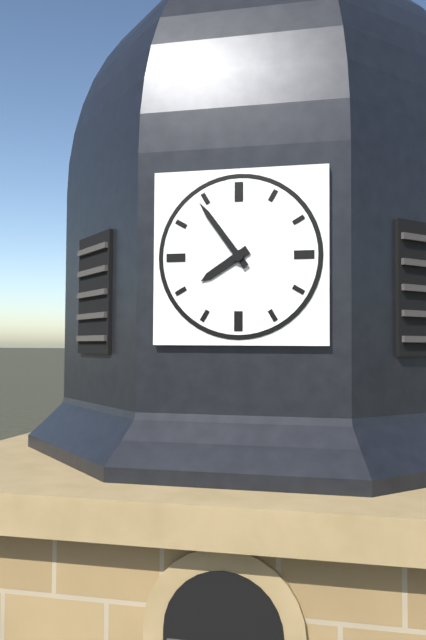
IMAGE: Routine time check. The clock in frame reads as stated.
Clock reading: 7:54
